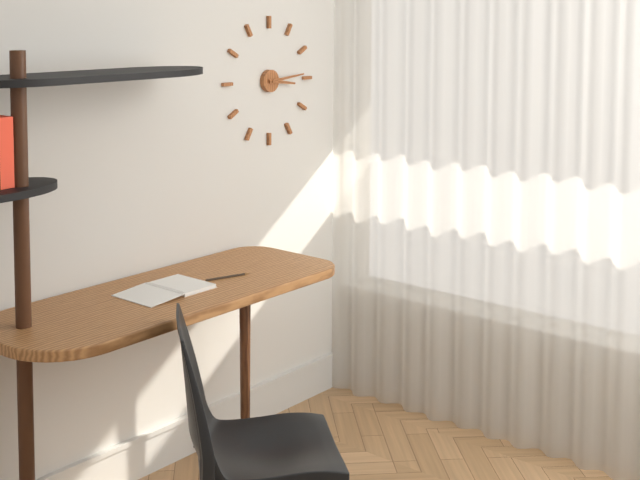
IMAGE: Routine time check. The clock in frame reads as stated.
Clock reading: 3:14
